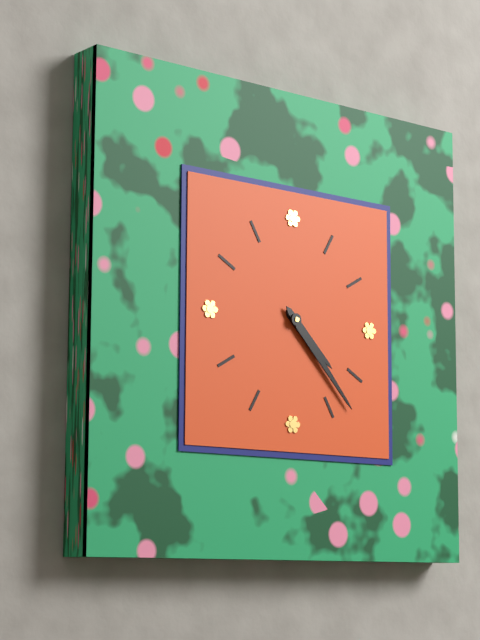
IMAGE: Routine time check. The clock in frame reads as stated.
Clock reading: 4:23
